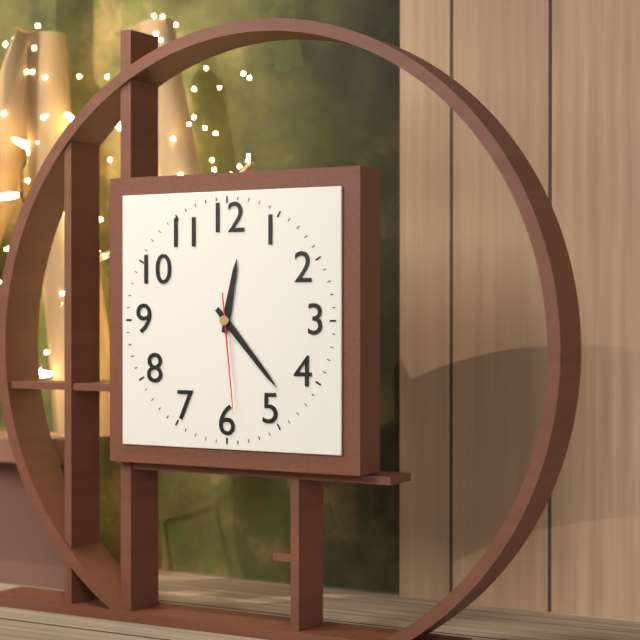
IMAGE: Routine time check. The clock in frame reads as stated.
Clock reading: 12:23:29
